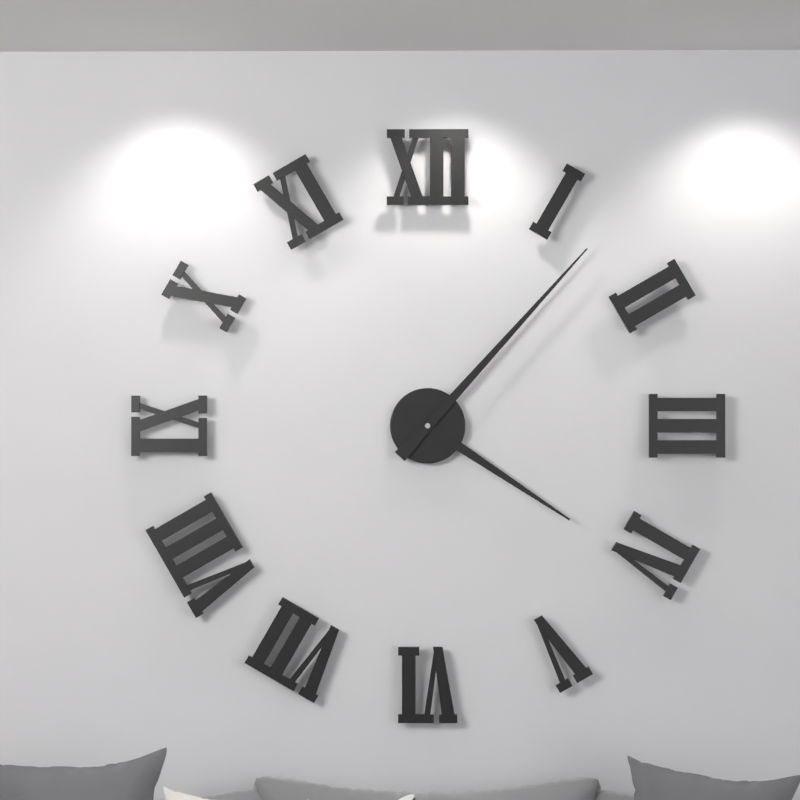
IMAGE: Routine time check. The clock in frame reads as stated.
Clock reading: 4:07
